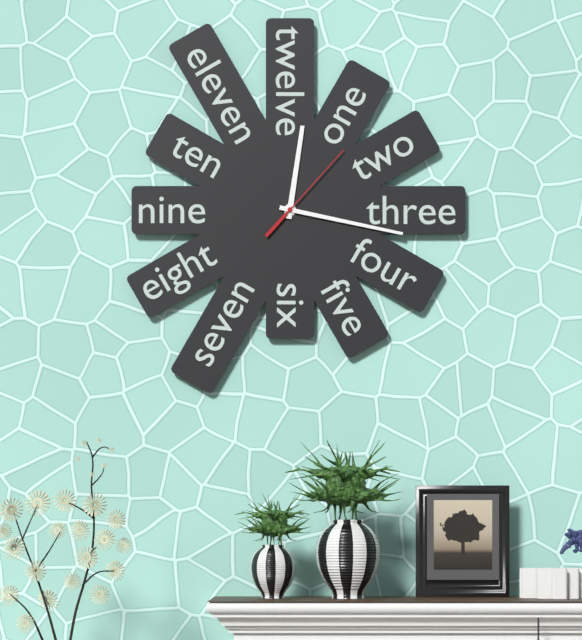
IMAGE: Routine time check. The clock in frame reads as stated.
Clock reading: 12:17:07
